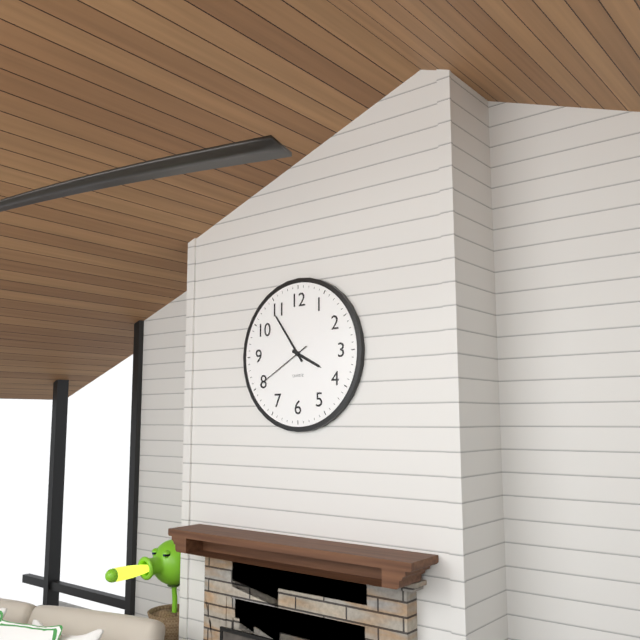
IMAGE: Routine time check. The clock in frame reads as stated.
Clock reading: 3:54:40
